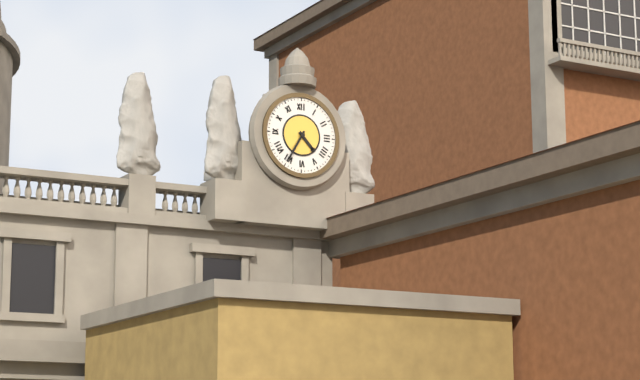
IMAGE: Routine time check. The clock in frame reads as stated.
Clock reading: 4:35
